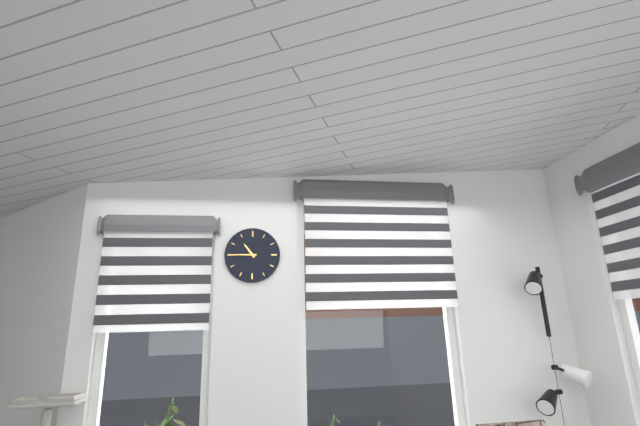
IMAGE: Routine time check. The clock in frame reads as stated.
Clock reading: 10:45
